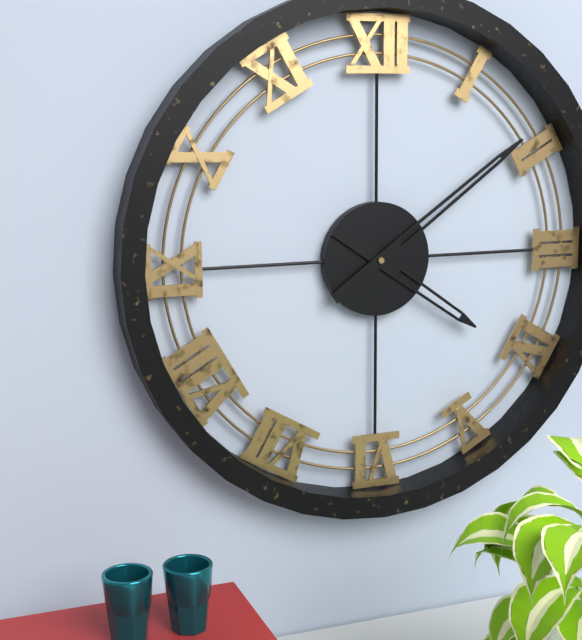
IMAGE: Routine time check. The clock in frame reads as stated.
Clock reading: 4:09
